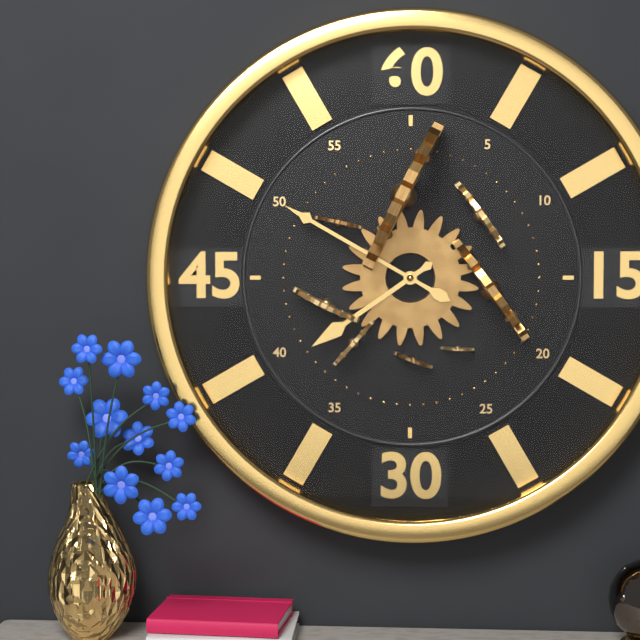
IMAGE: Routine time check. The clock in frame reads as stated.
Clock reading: 7:50
